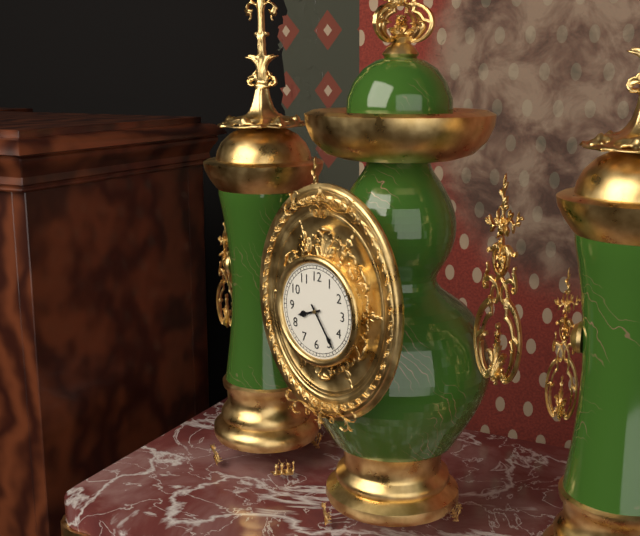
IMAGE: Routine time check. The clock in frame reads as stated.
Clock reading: 8:24
